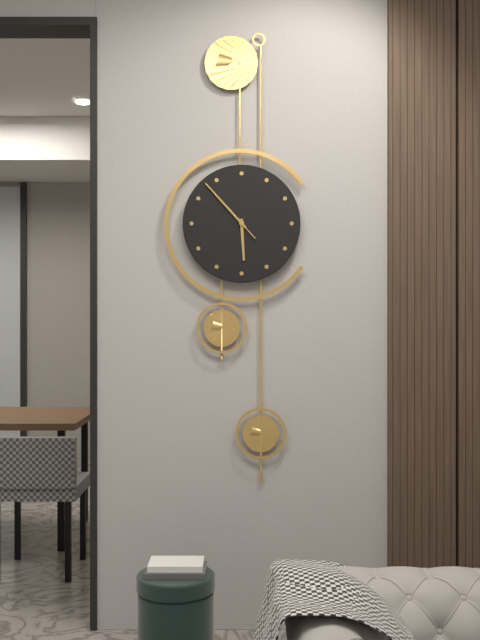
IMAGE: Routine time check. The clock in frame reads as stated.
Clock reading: 5:53:53
